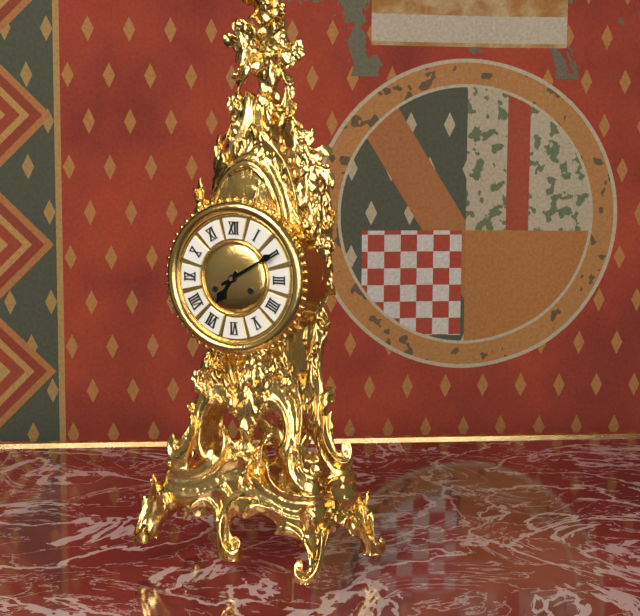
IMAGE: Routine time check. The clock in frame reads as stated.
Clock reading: 7:10
